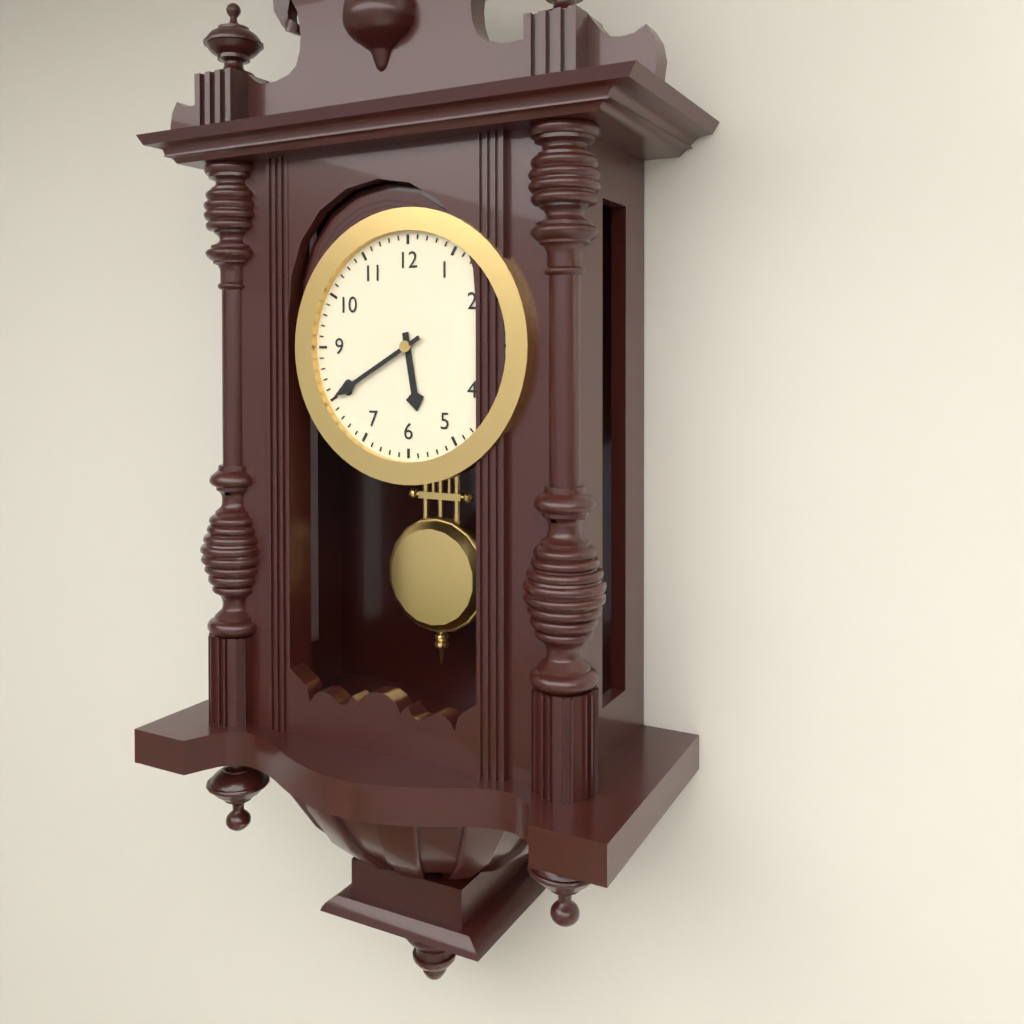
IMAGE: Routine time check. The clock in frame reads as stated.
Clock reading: 5:40
